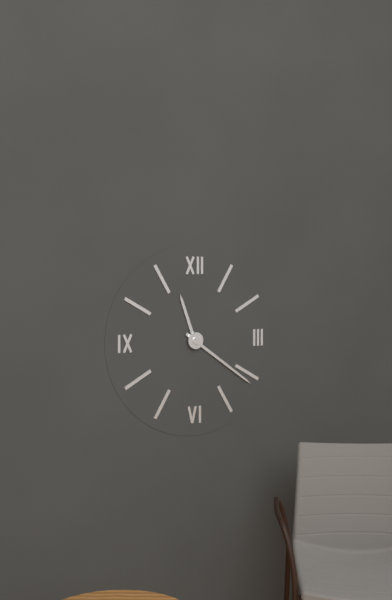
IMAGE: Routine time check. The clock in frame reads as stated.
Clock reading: 11:21
